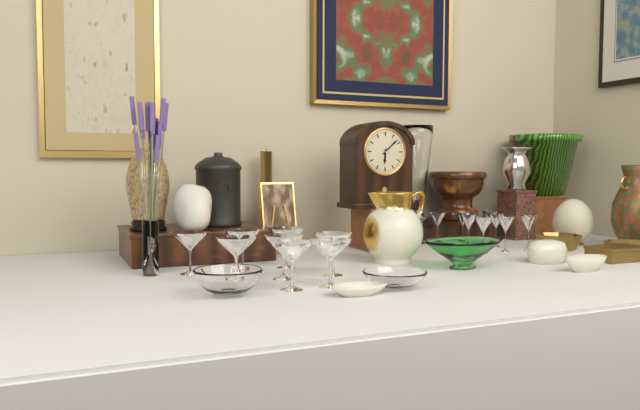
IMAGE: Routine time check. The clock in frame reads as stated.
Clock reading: 6:08
